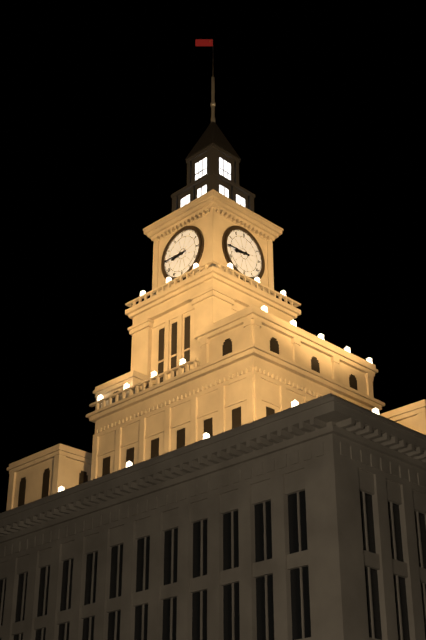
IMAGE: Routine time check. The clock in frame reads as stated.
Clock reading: 8:45
